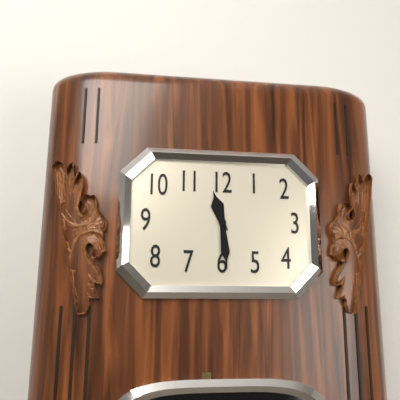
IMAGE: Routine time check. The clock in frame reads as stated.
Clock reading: 11:29
